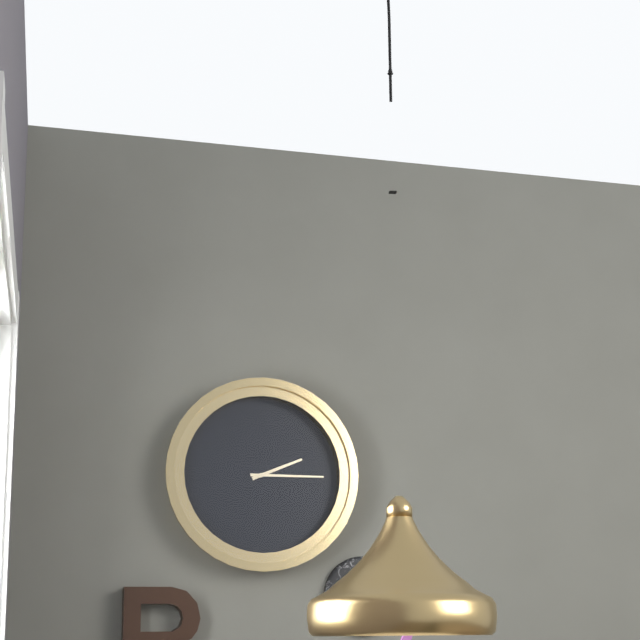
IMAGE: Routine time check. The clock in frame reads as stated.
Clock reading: 2:15
